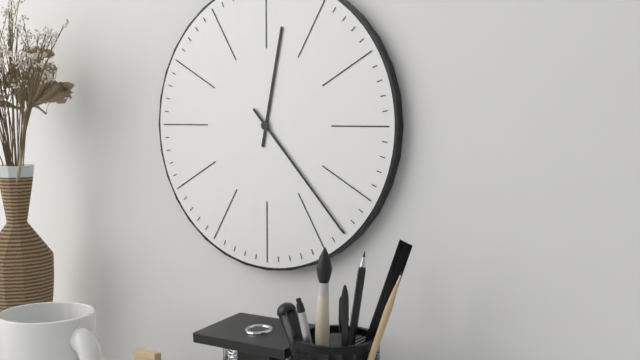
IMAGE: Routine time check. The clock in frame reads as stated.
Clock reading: 12:23
